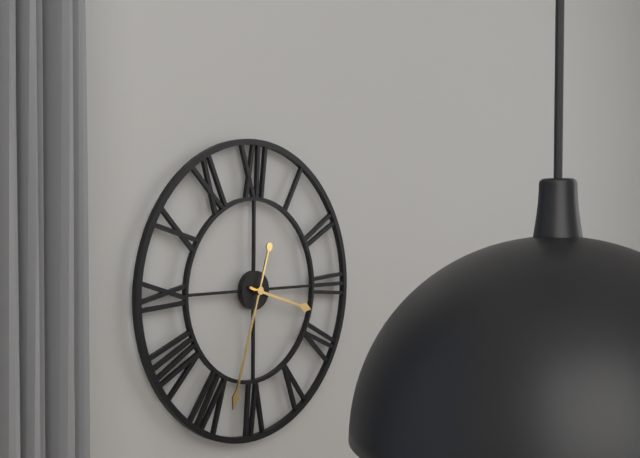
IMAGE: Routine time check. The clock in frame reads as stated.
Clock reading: 3:33
